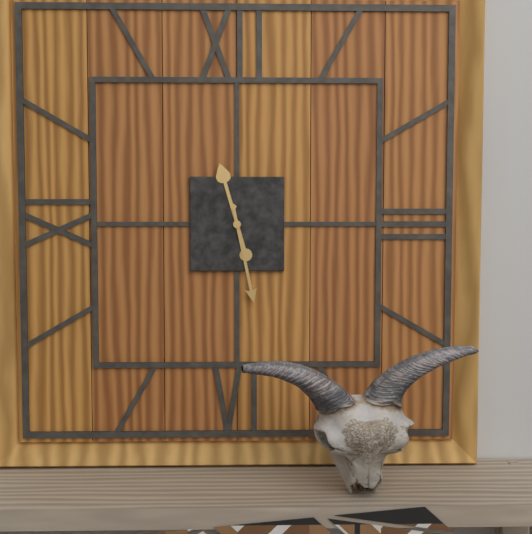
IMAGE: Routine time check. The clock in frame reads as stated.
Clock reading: 11:28
